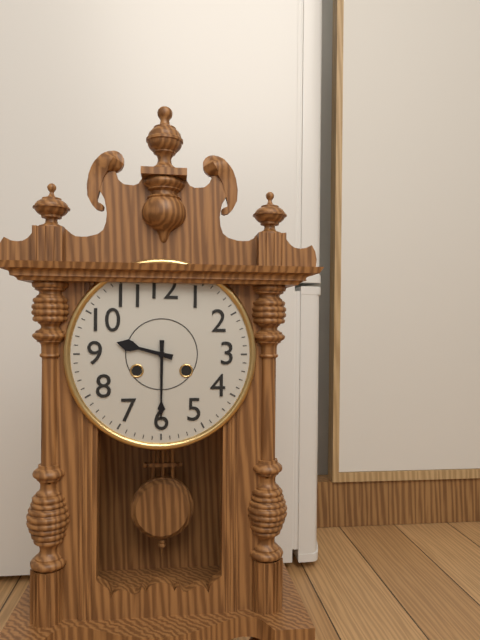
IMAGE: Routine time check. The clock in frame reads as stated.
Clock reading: 9:30
